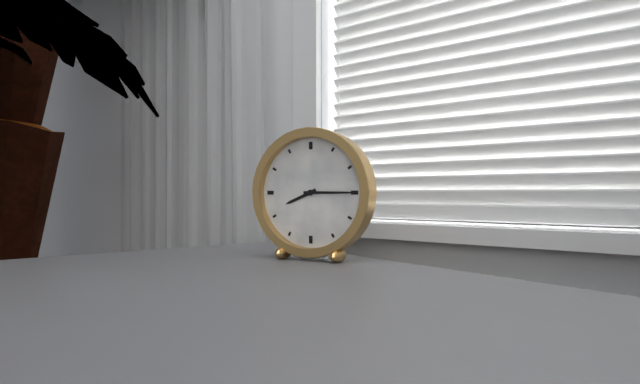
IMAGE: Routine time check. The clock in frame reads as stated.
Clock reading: 8:15
